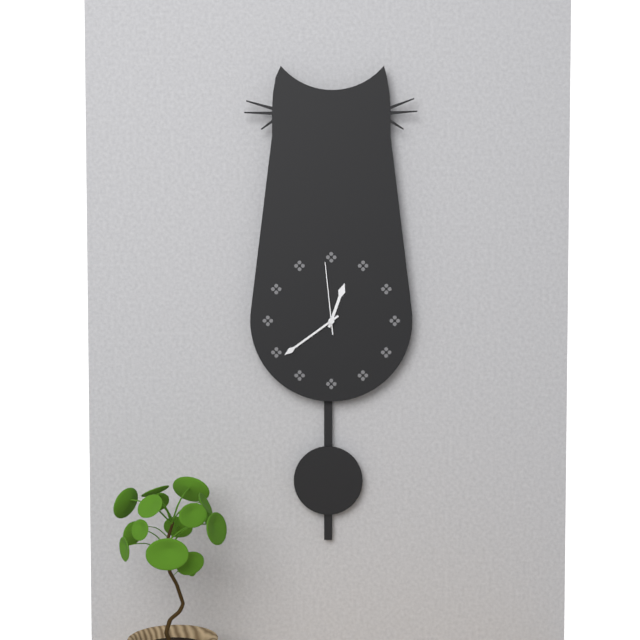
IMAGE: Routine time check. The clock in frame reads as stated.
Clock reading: 12:39:59
